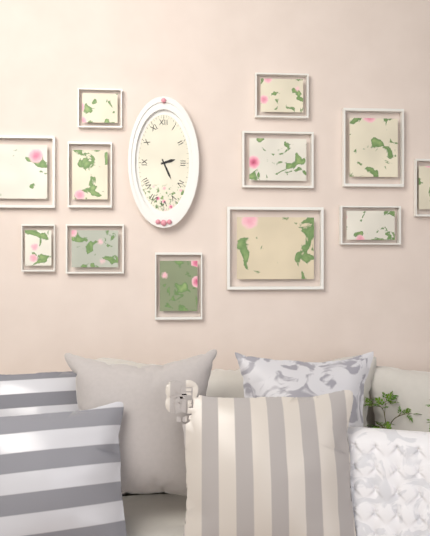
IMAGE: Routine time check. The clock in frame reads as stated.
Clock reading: 2:26
